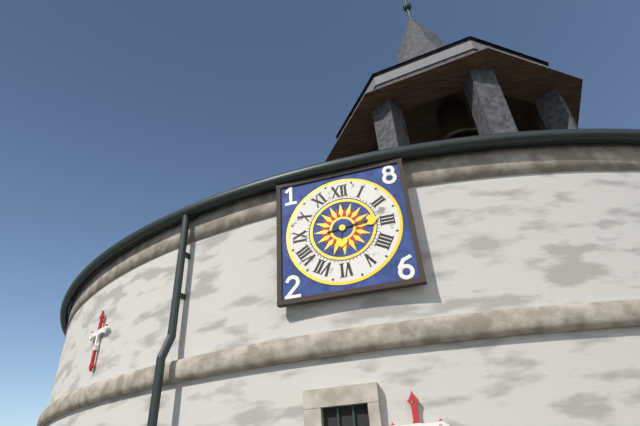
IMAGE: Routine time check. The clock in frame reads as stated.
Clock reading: 6:14
